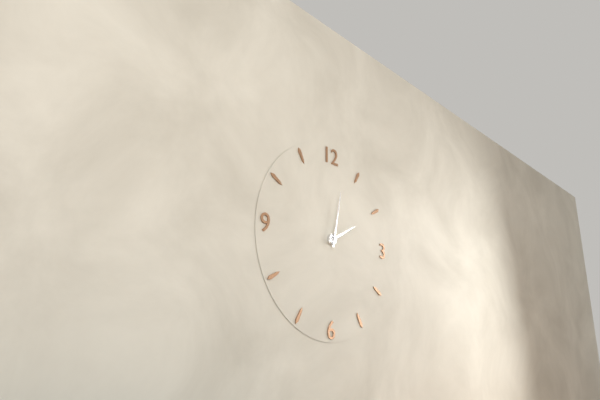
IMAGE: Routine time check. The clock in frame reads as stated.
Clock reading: 2:02
